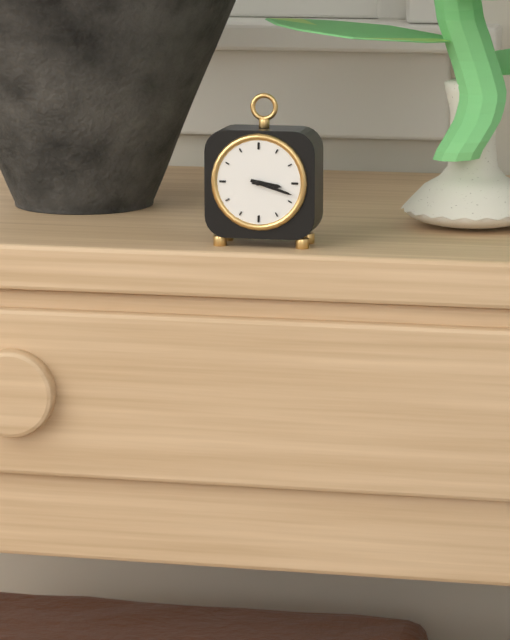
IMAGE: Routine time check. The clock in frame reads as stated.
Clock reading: 3:18
